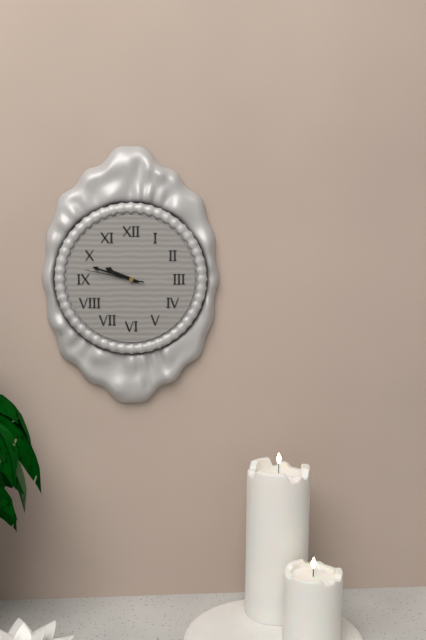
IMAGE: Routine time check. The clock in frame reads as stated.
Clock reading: 9:48:47
